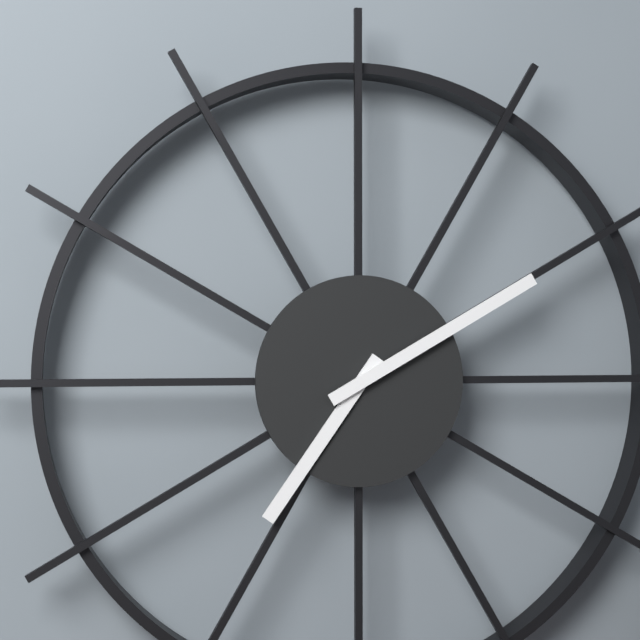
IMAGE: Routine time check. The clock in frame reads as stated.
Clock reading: 7:10
